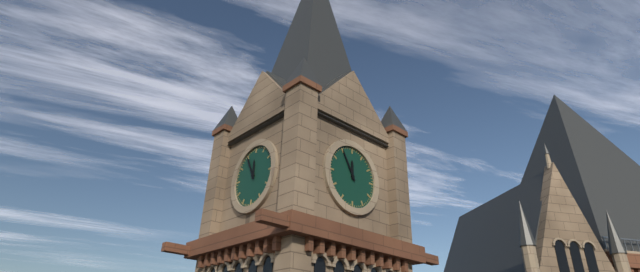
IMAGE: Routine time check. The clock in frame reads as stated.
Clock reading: 11:55
